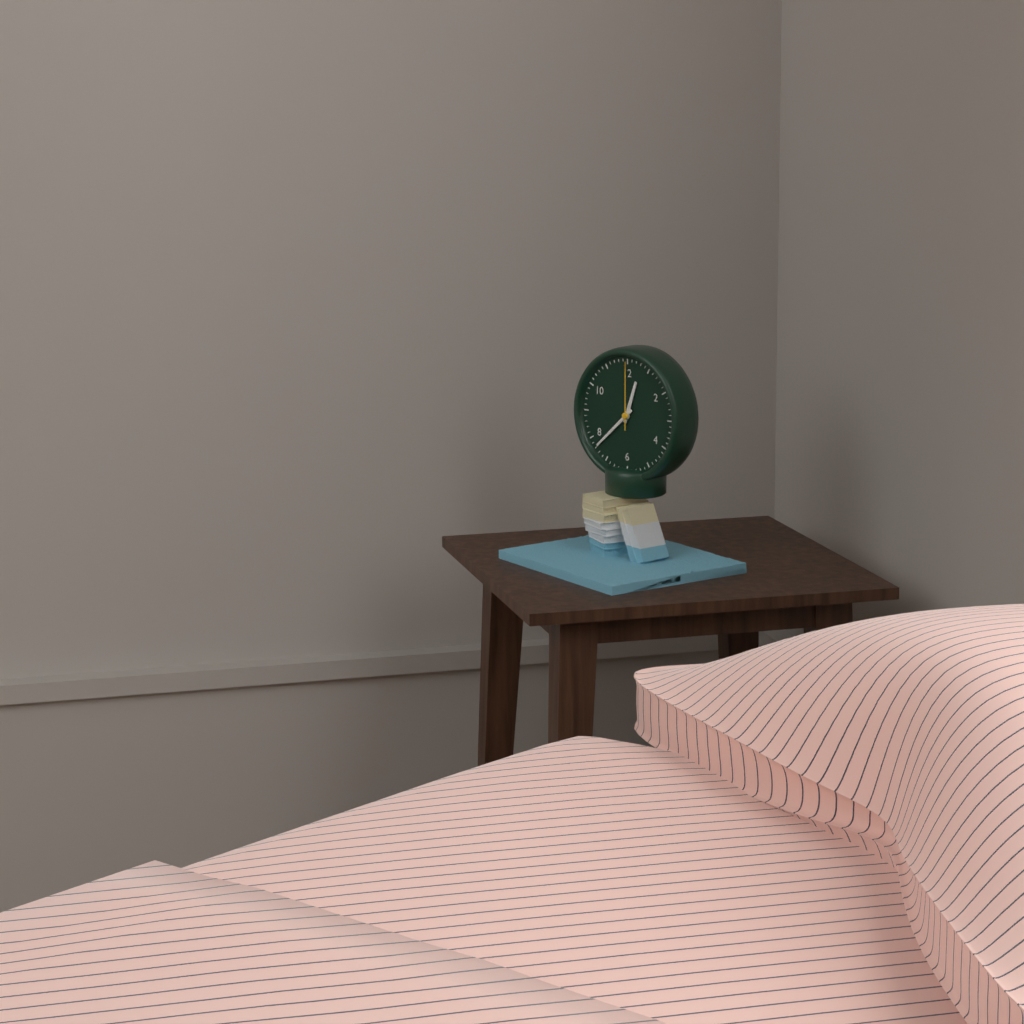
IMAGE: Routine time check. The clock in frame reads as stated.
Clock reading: 12:38:00
